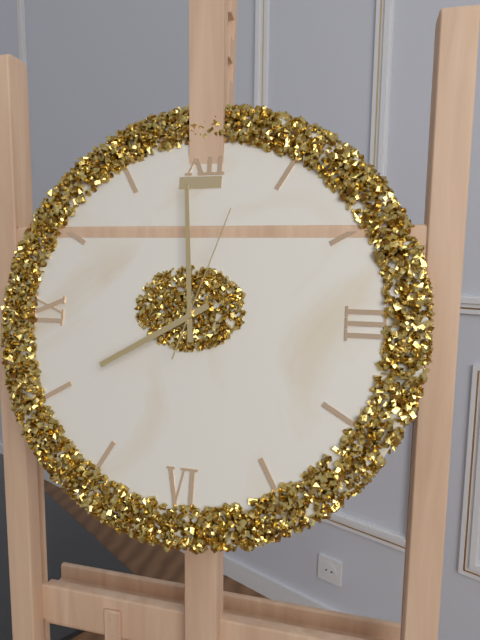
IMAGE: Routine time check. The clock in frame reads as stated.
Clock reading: 7:59:03
